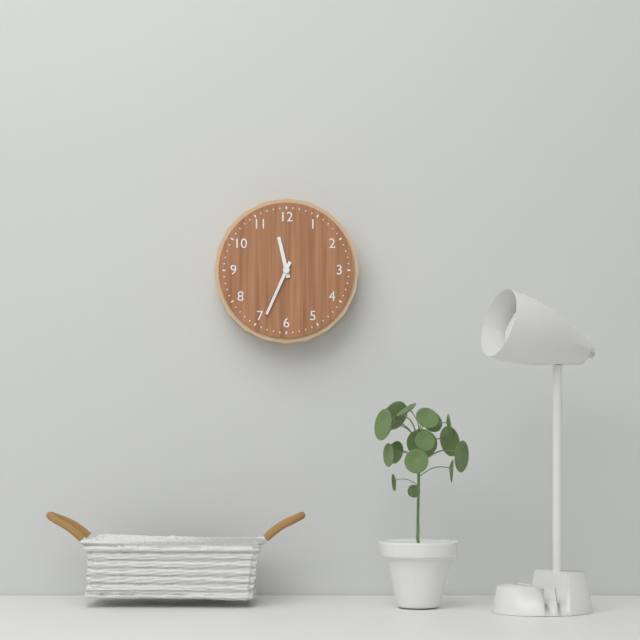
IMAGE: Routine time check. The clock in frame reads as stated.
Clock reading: 11:34
